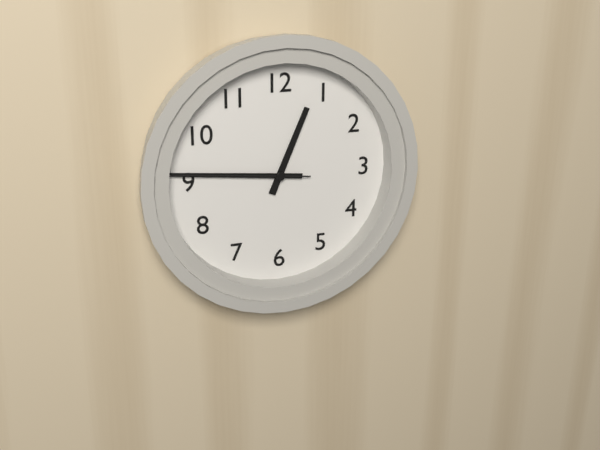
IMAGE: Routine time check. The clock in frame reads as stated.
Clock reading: 12:46:46
